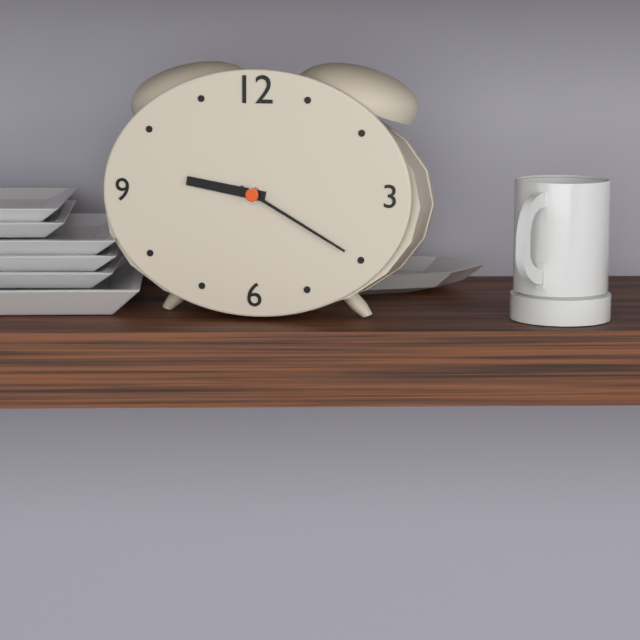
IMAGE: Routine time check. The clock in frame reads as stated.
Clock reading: 9:20
